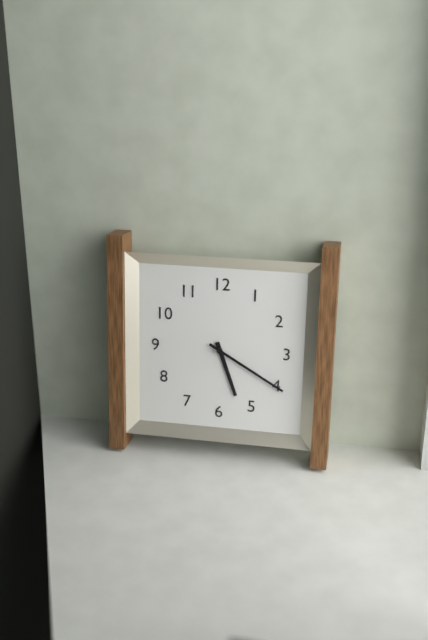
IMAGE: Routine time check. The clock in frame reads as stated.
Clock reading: 5:20
